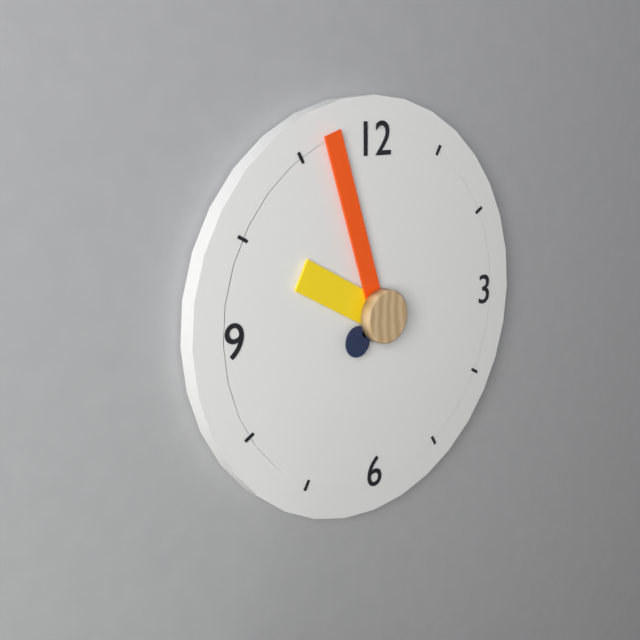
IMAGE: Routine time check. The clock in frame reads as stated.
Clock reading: 9:57:39
